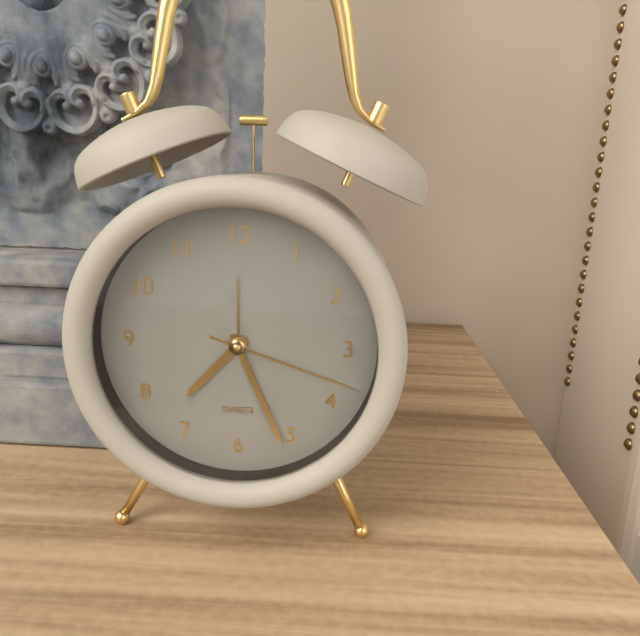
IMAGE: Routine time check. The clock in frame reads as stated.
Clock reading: 7:26:18
